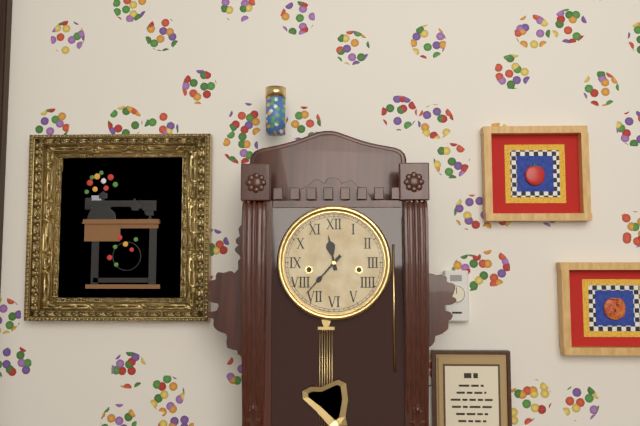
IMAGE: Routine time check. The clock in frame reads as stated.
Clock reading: 11:37
